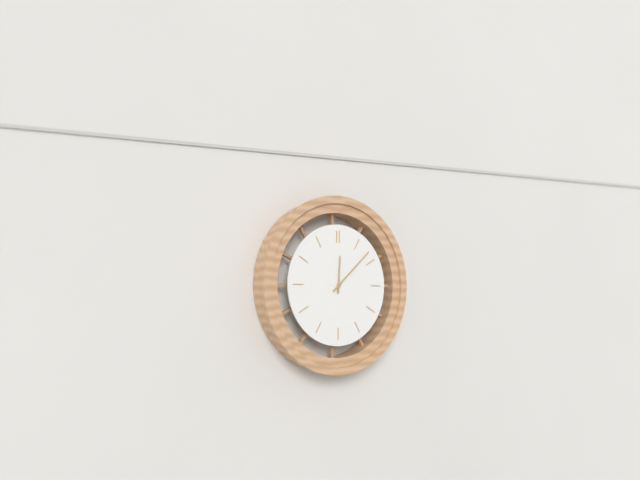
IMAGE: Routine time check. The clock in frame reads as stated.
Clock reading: 12:08
